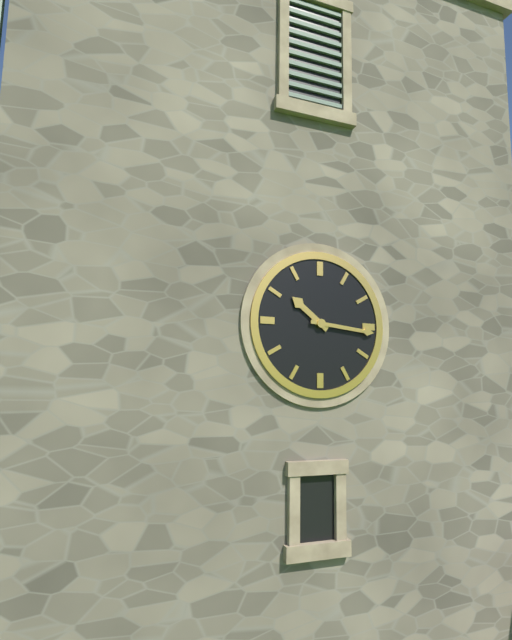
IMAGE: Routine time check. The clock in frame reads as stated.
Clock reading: 10:16
